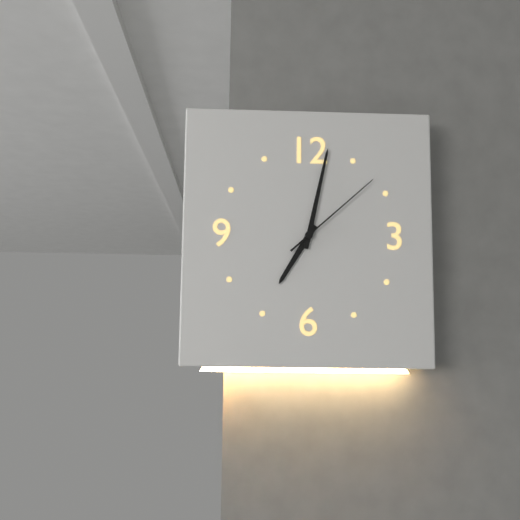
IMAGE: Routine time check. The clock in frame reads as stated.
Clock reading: 7:02:08
